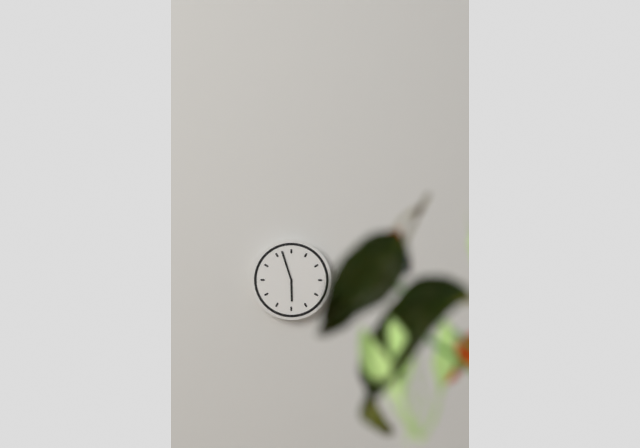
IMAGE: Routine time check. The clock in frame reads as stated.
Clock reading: 5:57
